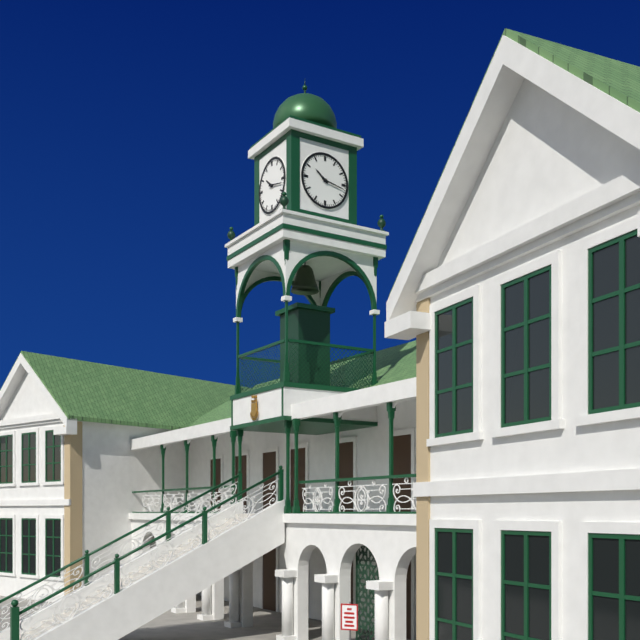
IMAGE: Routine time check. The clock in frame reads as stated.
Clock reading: 10:17
